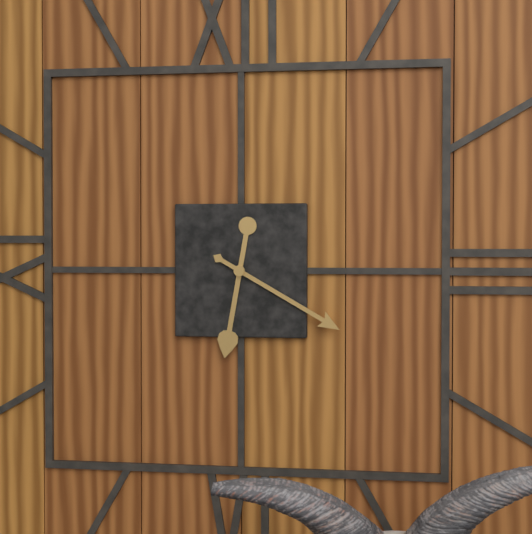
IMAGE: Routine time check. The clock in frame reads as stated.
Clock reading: 6:20
